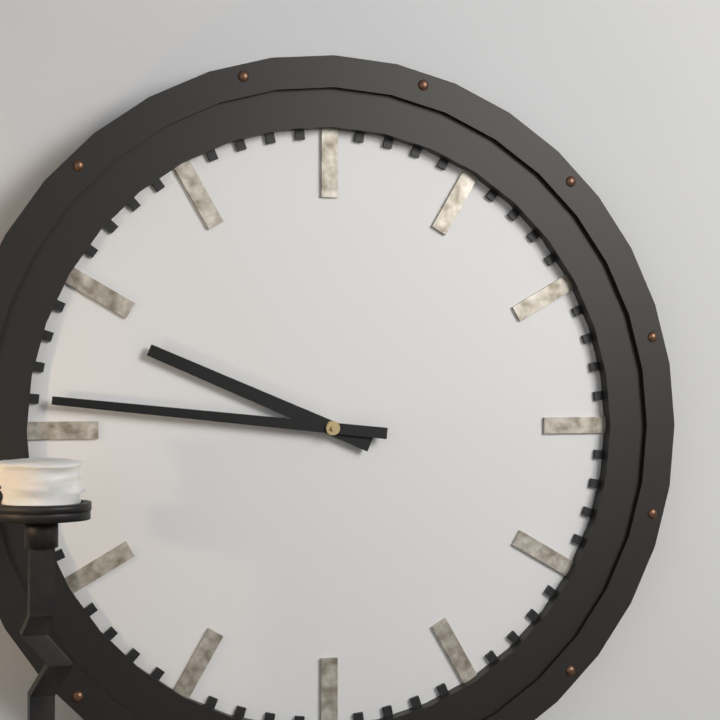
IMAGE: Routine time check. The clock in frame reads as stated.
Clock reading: 9:46
